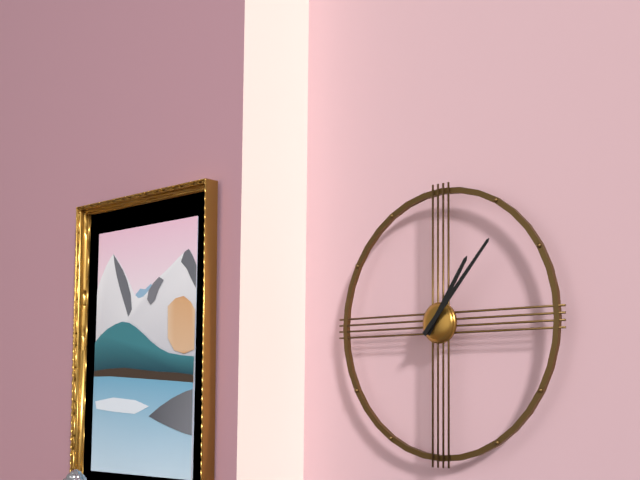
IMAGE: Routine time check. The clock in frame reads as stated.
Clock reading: 1:07
